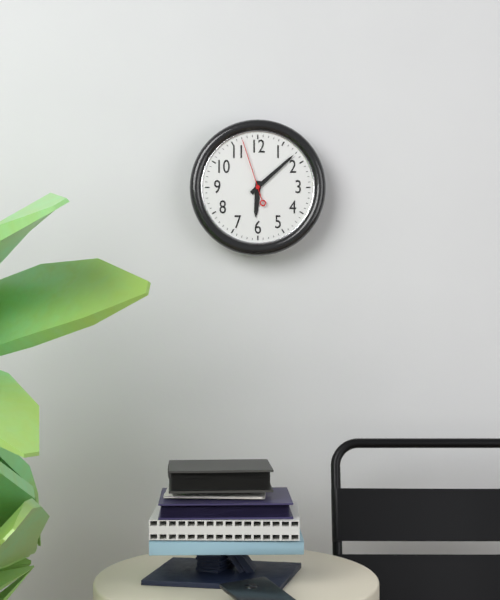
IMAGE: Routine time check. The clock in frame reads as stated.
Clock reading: 6:08:57
